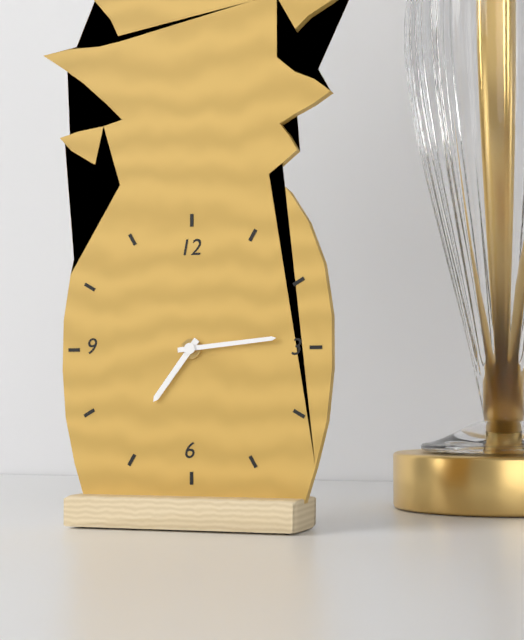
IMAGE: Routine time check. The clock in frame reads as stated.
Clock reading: 7:14
